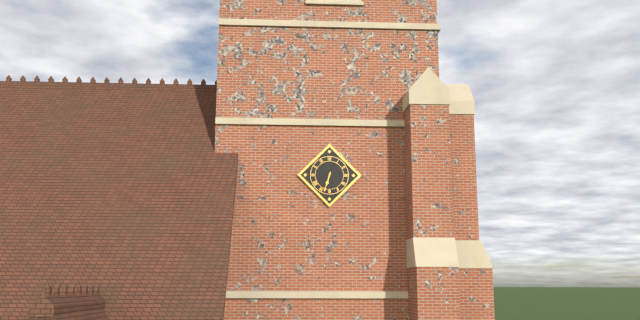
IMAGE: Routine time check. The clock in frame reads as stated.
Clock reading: 6:33
